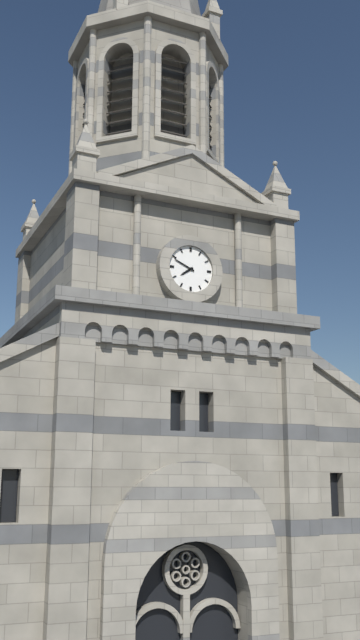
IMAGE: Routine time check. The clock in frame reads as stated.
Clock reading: 7:49
